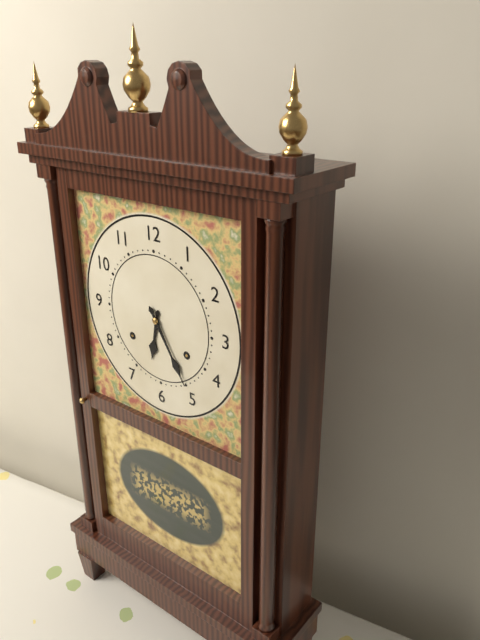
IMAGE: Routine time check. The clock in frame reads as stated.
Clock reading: 6:25
